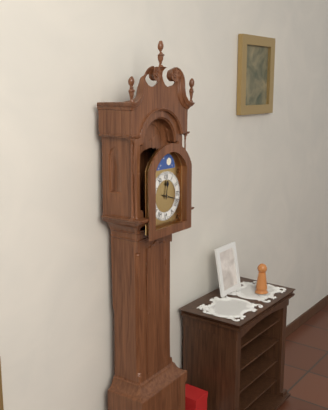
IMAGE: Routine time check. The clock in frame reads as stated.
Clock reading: 12:18
